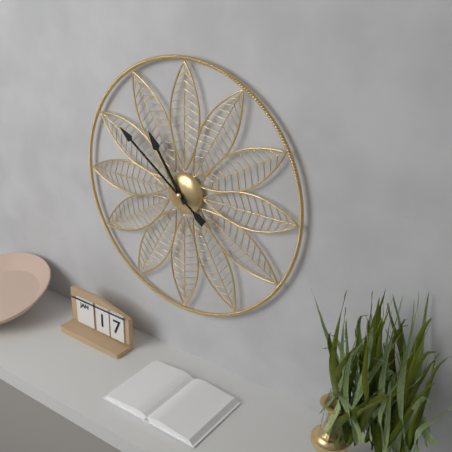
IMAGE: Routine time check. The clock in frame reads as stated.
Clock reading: 10:51
